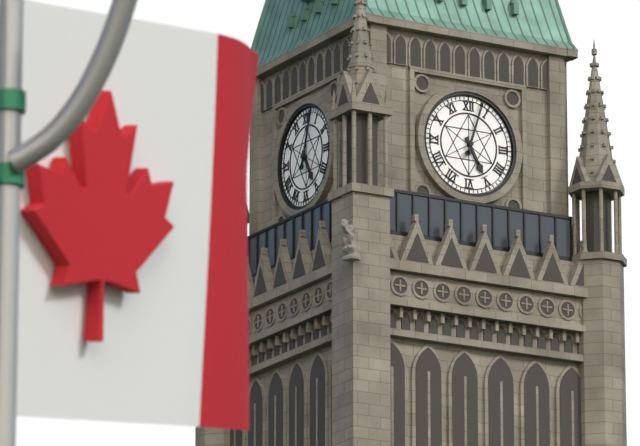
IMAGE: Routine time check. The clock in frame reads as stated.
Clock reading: 5:03
